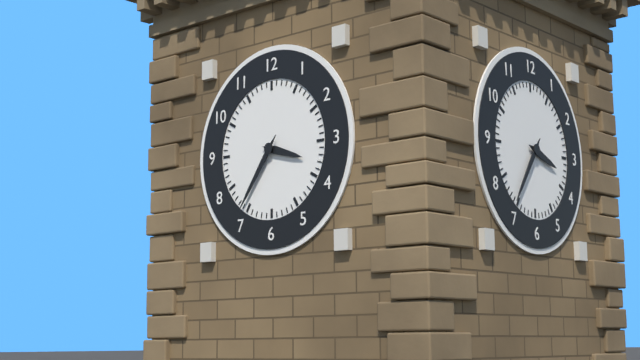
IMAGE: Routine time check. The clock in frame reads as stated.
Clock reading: 3:36
